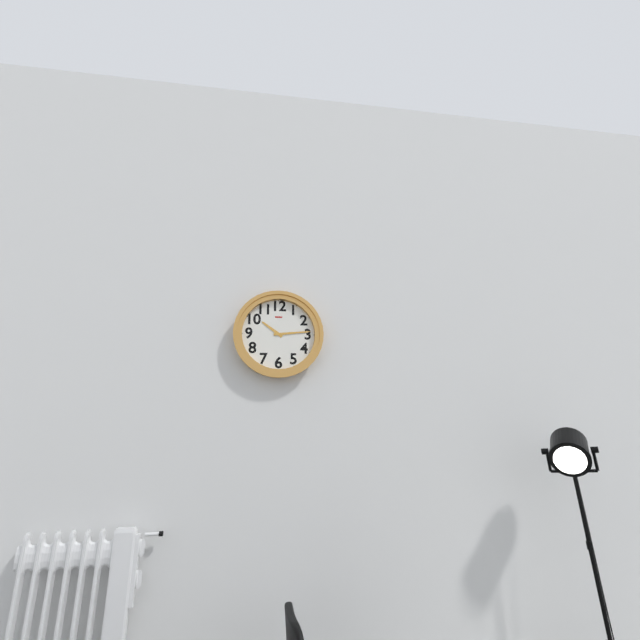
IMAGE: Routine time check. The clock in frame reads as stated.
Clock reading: 10:14
